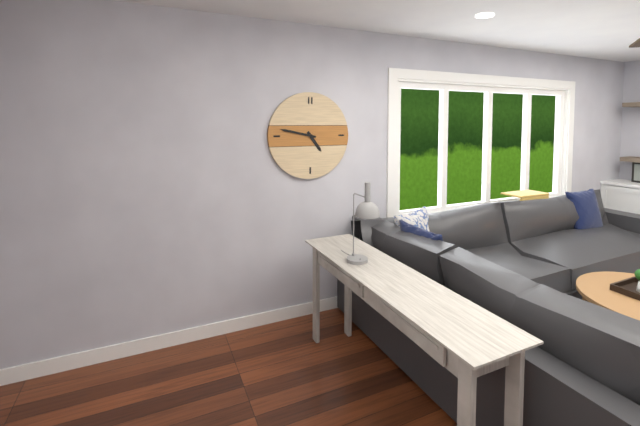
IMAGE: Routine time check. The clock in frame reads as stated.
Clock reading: 4:47
